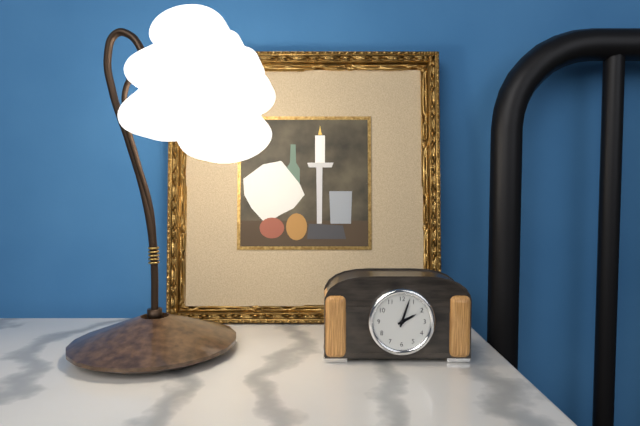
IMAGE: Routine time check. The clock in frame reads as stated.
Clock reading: 2:03
